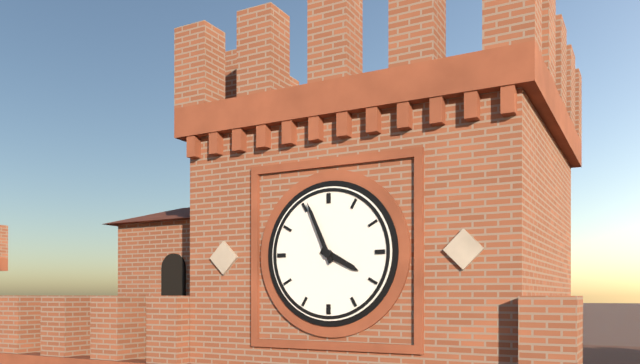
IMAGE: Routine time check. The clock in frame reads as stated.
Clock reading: 3:56
